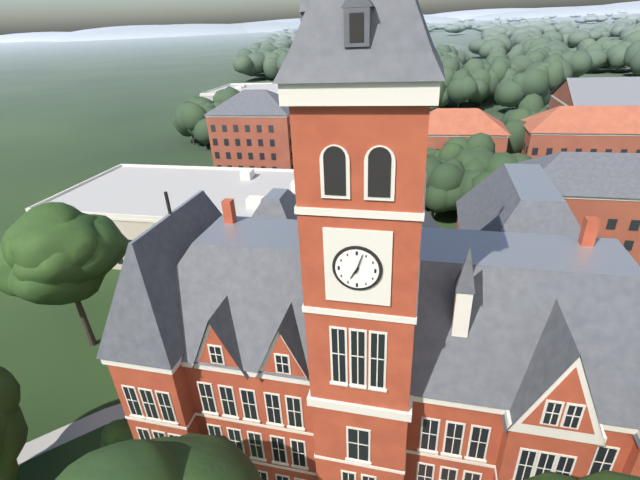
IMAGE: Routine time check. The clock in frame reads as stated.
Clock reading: 7:03
